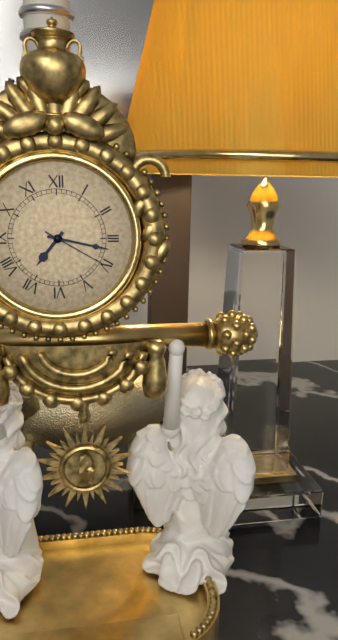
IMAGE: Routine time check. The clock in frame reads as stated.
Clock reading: 7:17:20
